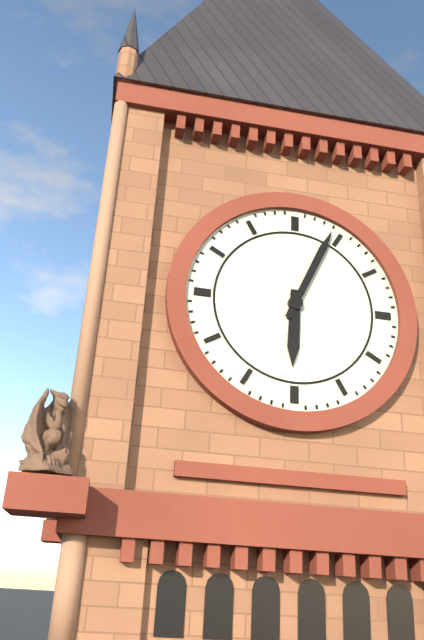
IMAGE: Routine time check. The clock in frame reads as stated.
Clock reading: 6:04
